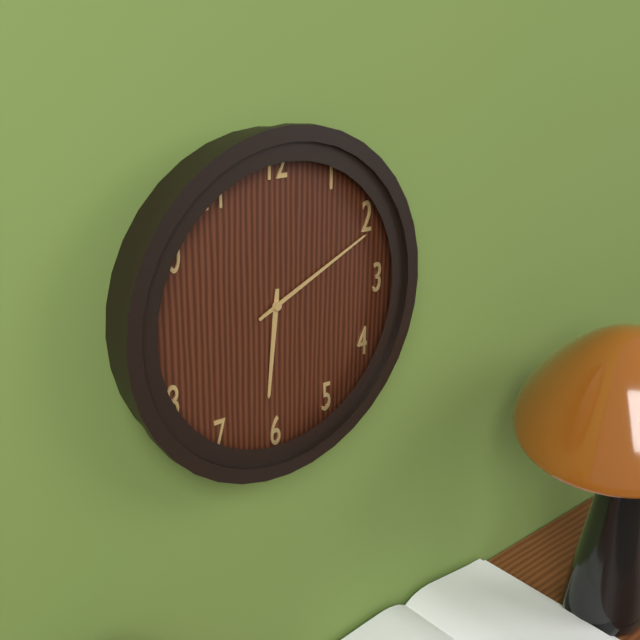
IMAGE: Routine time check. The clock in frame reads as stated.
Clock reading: 6:11
